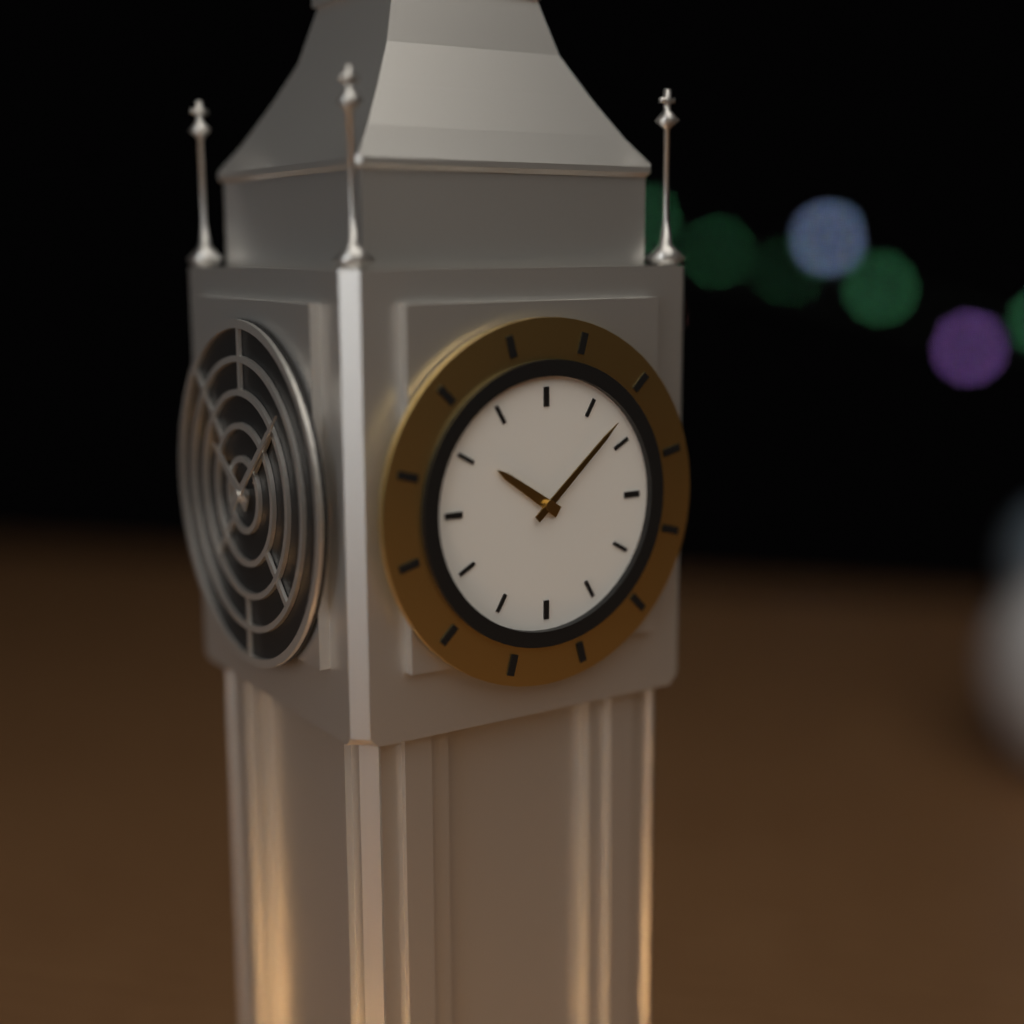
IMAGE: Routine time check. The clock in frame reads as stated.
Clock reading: 10:08
